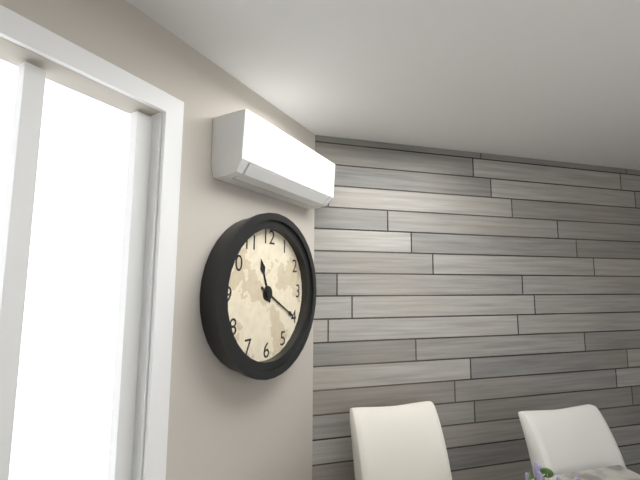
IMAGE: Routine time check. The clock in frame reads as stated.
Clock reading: 11:20
